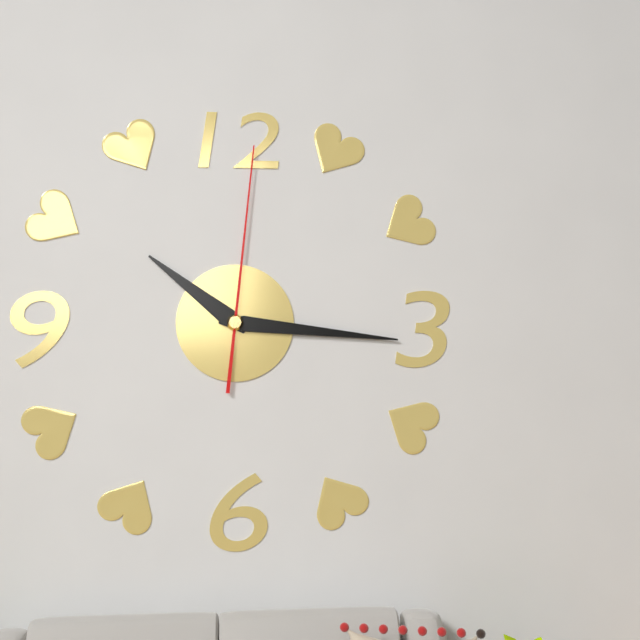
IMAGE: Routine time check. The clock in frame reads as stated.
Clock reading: 10:16:01
